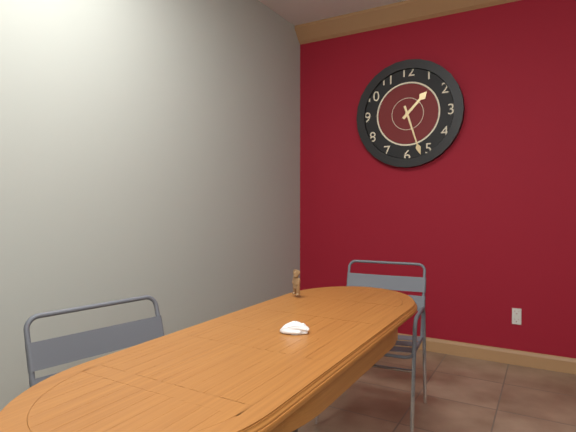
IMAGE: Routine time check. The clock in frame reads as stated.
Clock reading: 1:27
